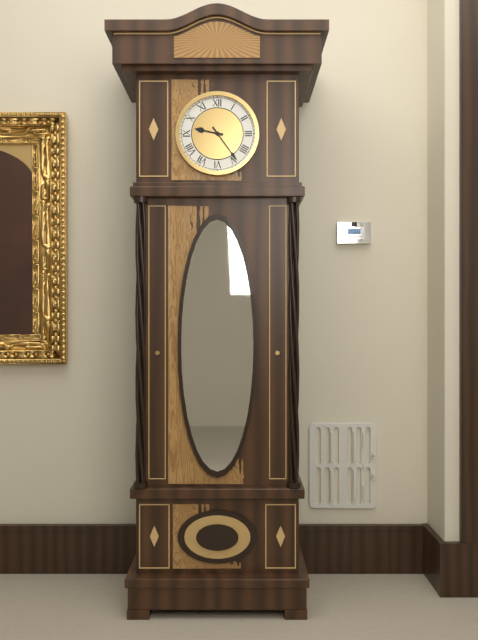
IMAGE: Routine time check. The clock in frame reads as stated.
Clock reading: 9:24
